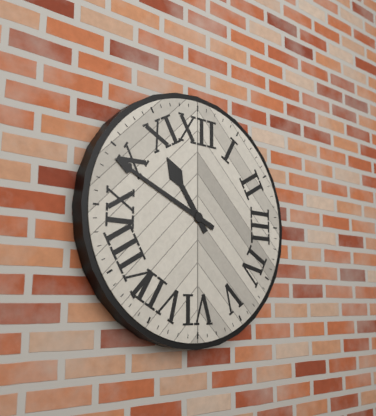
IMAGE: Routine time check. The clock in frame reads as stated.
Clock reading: 10:49
